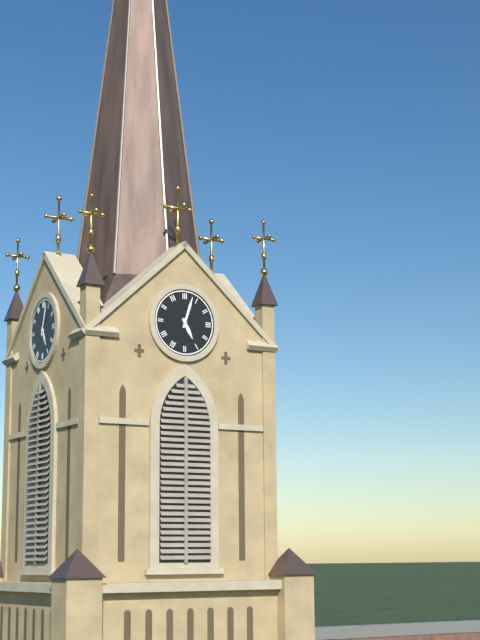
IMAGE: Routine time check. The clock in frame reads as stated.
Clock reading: 5:03
